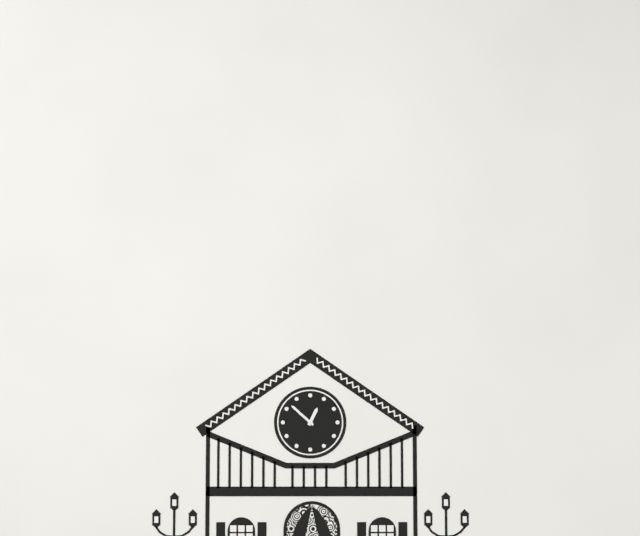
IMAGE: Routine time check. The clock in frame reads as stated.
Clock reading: 12:52
